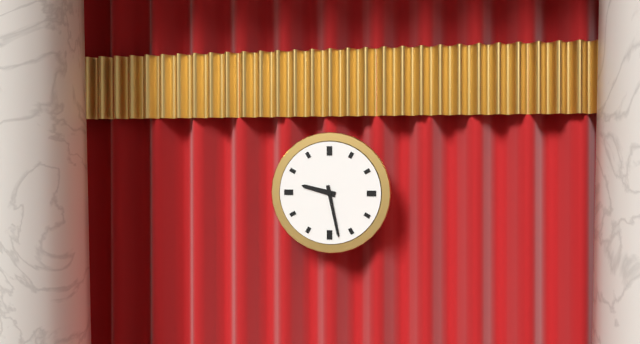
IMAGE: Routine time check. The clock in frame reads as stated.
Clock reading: 9:28
